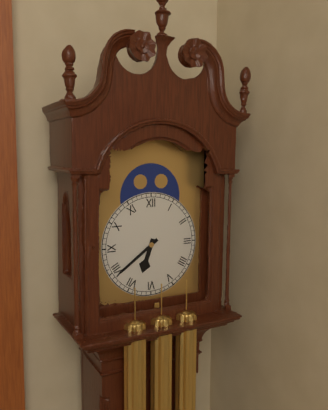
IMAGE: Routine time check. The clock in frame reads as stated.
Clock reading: 6:39
